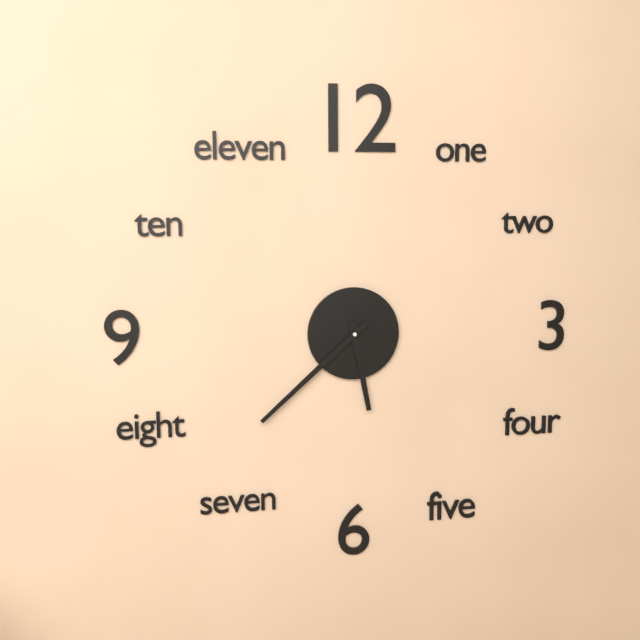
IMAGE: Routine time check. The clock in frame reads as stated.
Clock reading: 5:38
